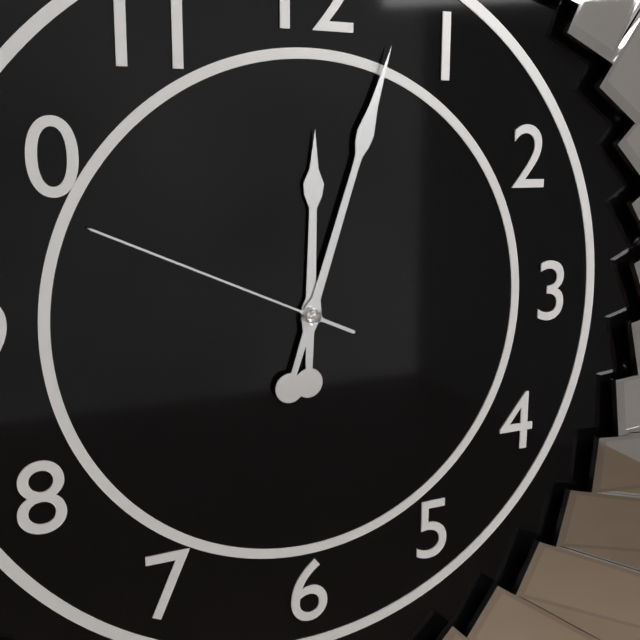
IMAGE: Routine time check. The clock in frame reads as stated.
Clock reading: 12:03:49
